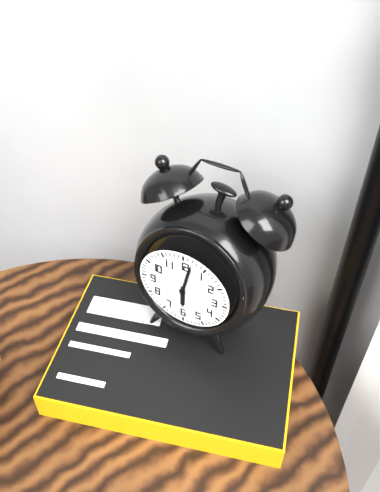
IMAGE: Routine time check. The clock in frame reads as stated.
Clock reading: 6:02
